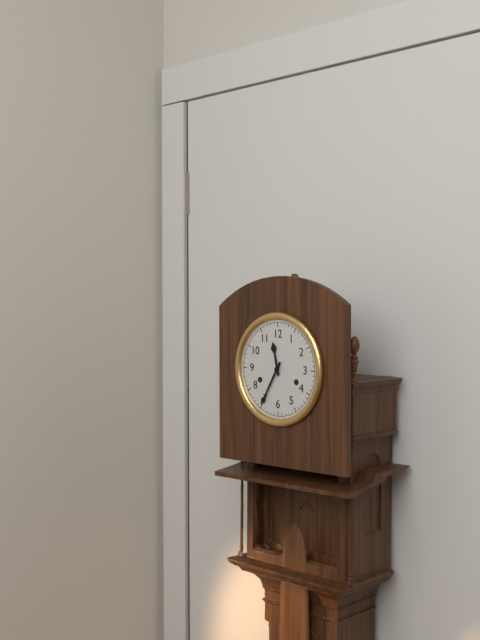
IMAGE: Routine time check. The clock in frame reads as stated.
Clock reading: 11:35
